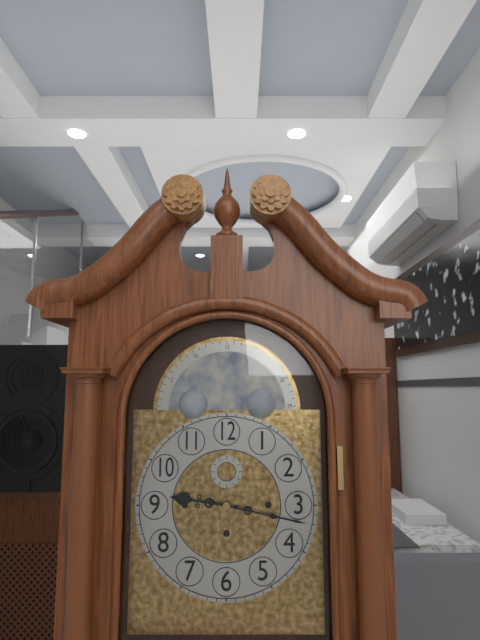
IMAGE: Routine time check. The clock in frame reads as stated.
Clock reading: 9:17
